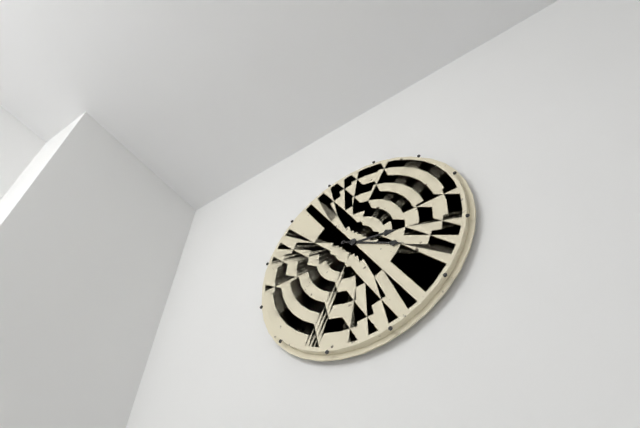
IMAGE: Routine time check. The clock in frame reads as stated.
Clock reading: 3:20
